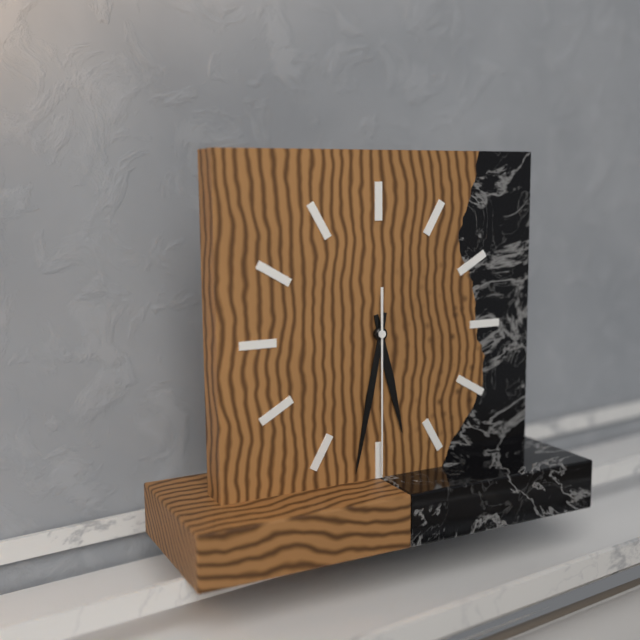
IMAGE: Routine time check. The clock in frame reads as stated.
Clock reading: 5:32:30
